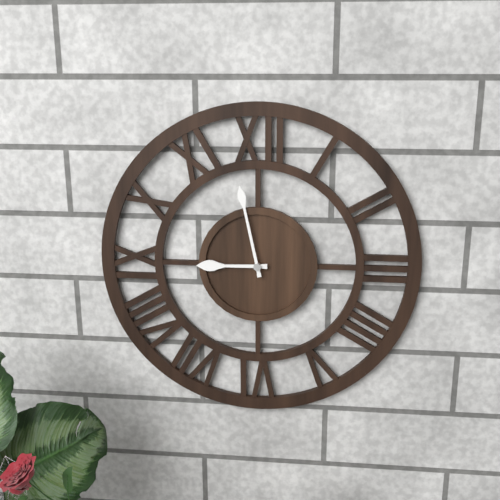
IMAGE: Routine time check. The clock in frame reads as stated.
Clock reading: 8:58
